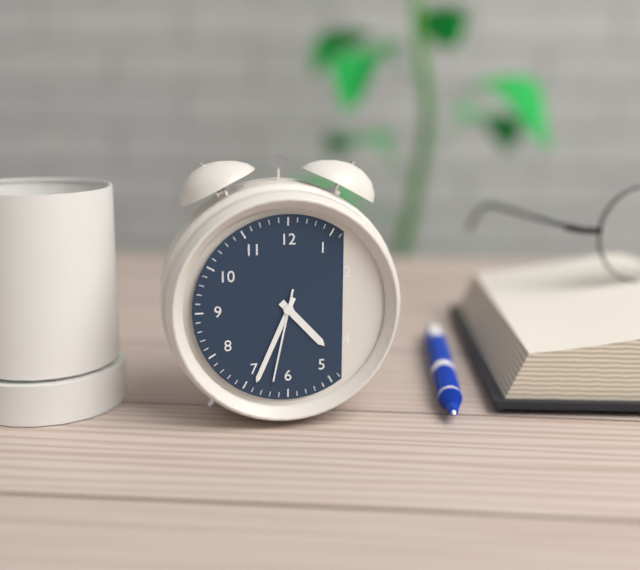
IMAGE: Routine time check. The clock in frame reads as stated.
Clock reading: 4:34:32
